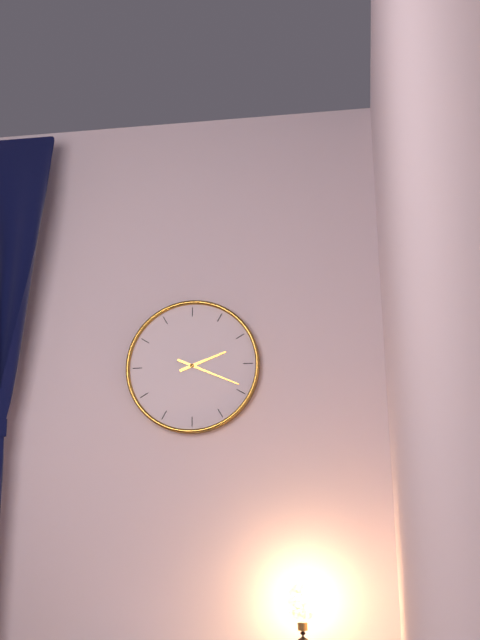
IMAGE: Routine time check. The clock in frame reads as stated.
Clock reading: 2:19
